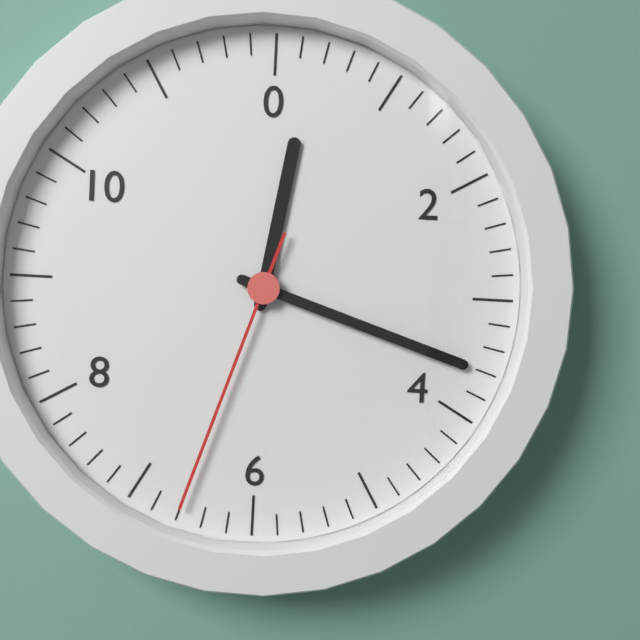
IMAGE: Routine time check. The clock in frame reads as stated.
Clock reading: 12:18:33
